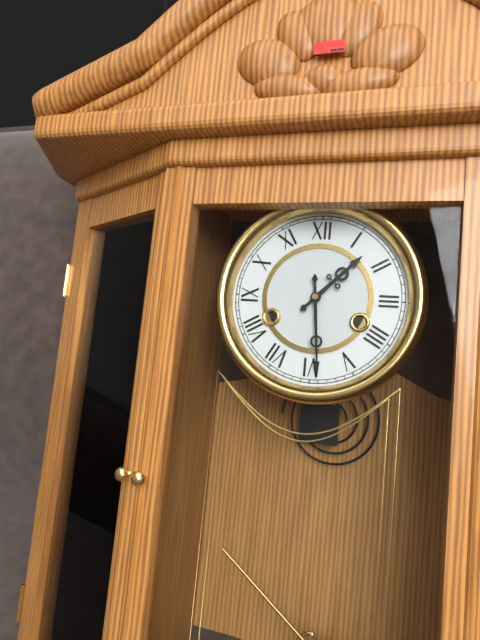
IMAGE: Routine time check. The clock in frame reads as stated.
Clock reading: 1:29
